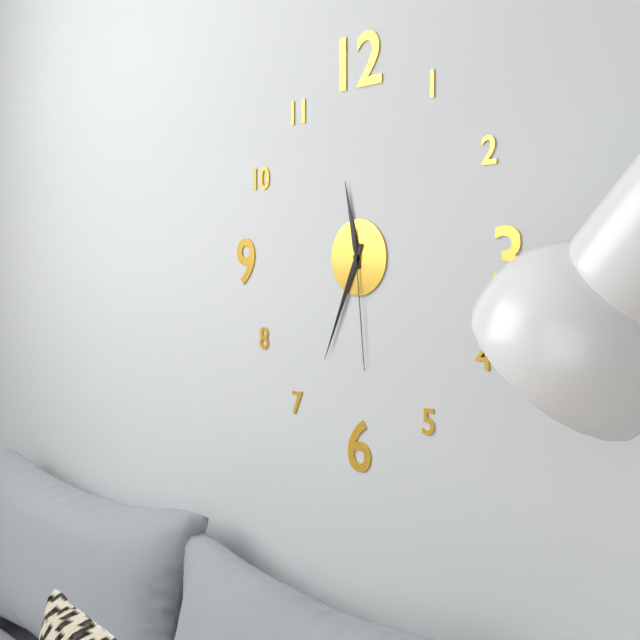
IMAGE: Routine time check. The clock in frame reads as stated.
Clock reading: 11:34:29
